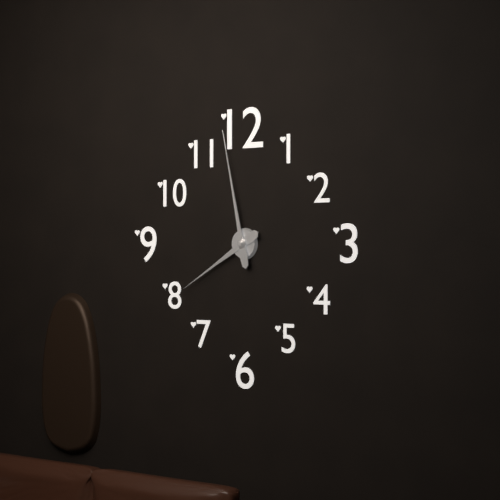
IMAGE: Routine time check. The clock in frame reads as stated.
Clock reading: 7:58
